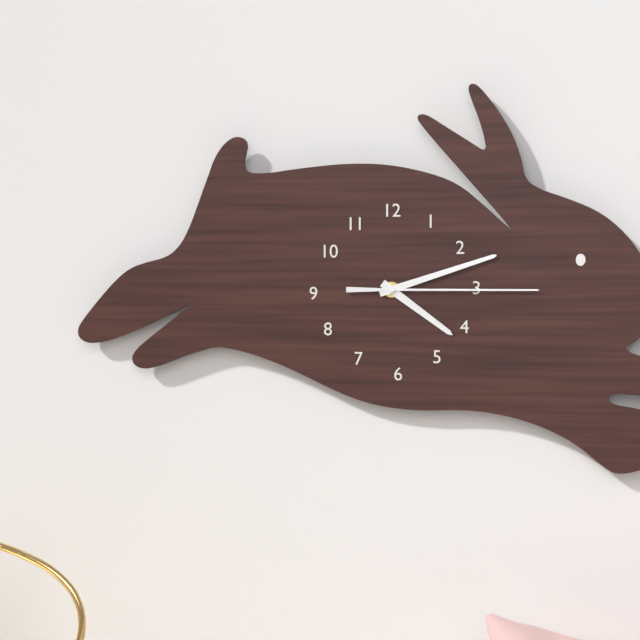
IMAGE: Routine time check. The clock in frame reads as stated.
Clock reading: 4:12:15
